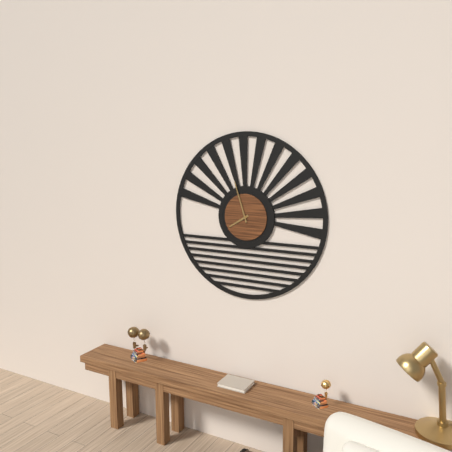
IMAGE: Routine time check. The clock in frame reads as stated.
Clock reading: 7:57
